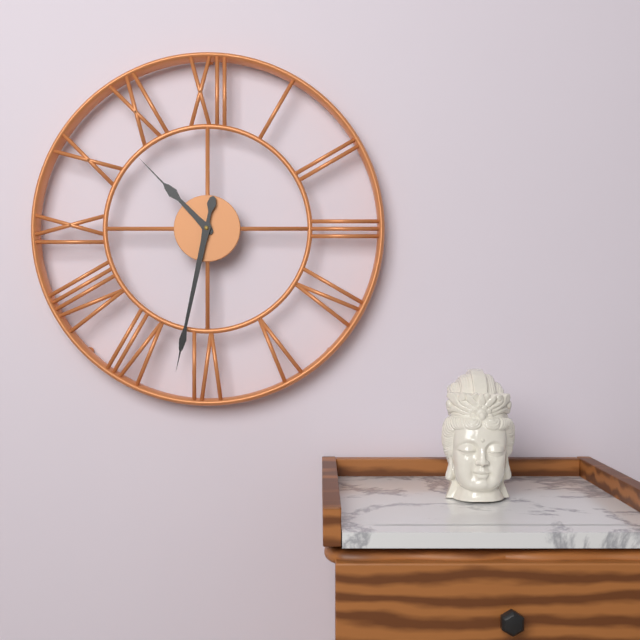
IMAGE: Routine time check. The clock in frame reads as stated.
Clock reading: 10:32
